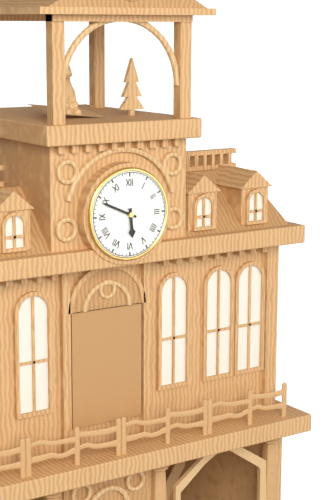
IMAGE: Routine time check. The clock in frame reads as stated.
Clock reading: 5:49
